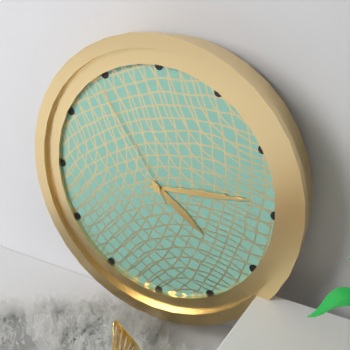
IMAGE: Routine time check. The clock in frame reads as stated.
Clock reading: 4:14:54
